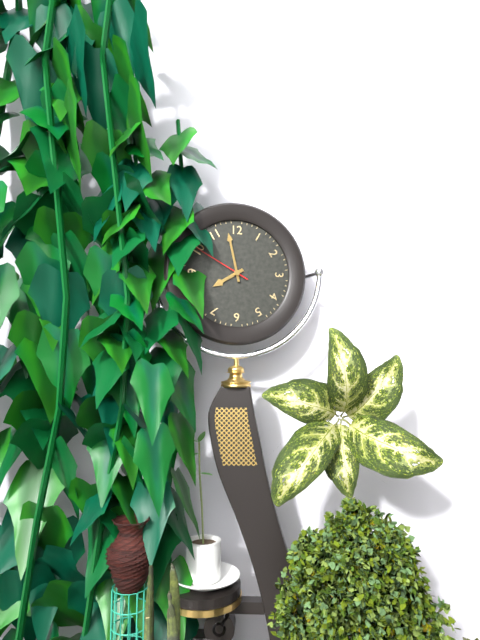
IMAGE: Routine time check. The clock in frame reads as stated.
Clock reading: 7:58:50
